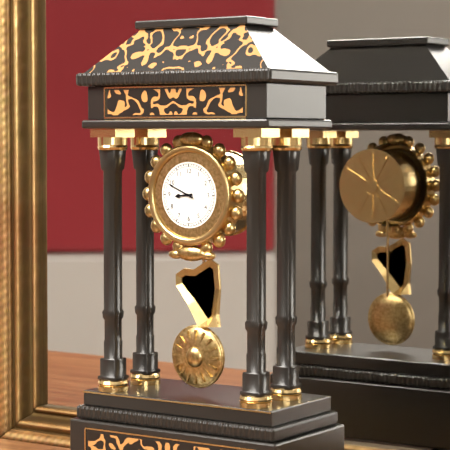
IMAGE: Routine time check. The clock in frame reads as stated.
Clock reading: 8:49
